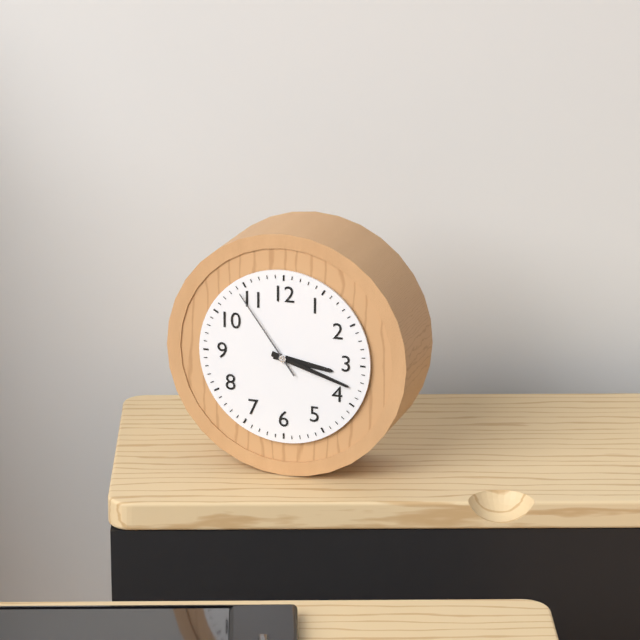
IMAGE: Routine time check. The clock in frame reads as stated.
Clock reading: 3:18:54
